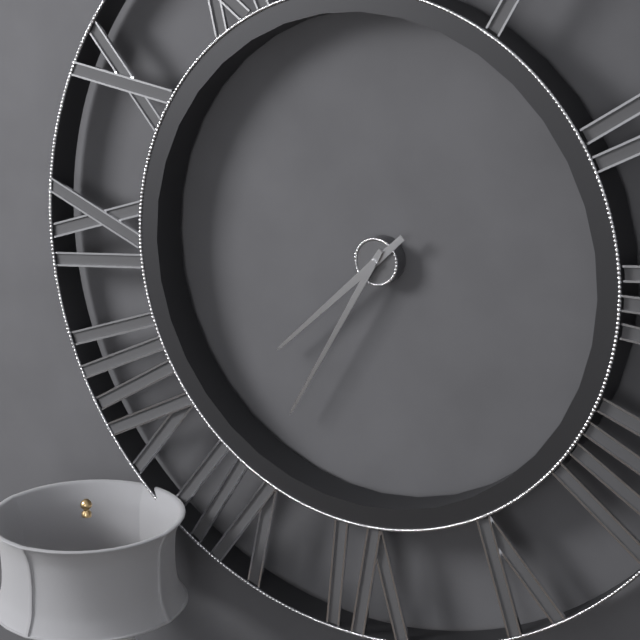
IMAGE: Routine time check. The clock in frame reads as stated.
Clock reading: 7:35
